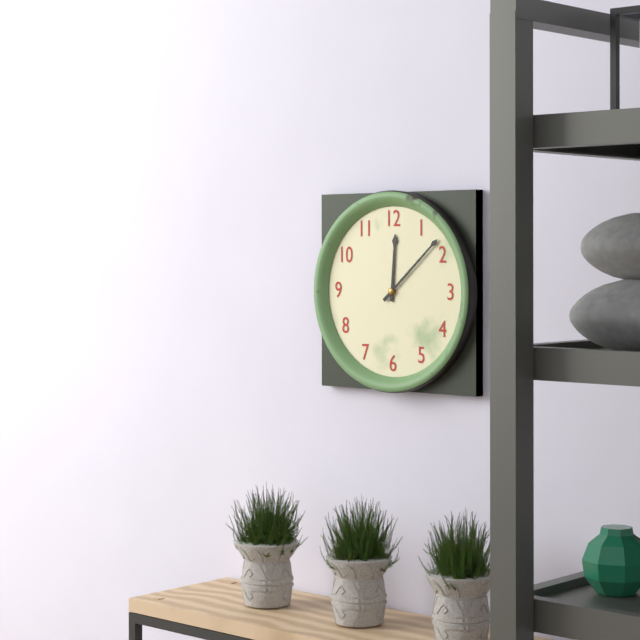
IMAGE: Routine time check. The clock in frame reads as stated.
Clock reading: 12:08
